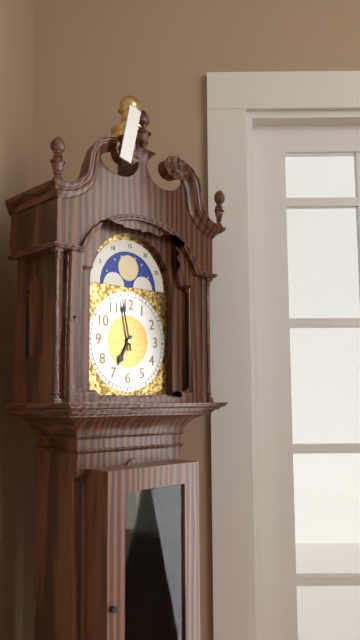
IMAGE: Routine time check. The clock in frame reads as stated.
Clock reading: 6:58
